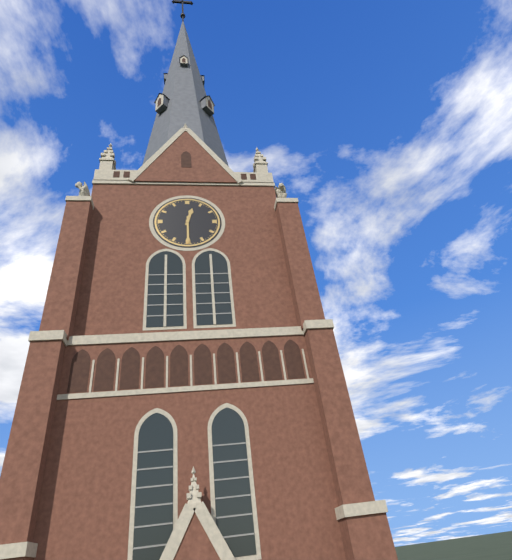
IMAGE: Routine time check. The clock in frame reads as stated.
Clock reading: 12:30
